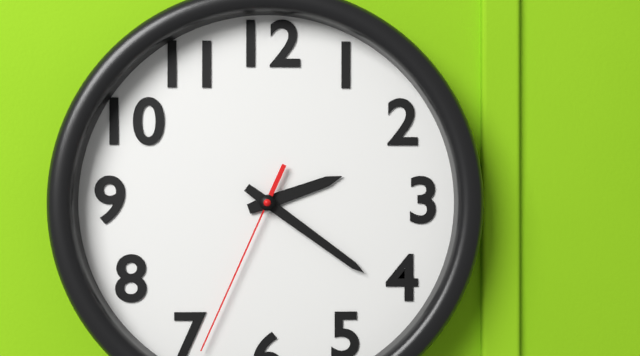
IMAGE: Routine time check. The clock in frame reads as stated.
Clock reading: 2:21:34
